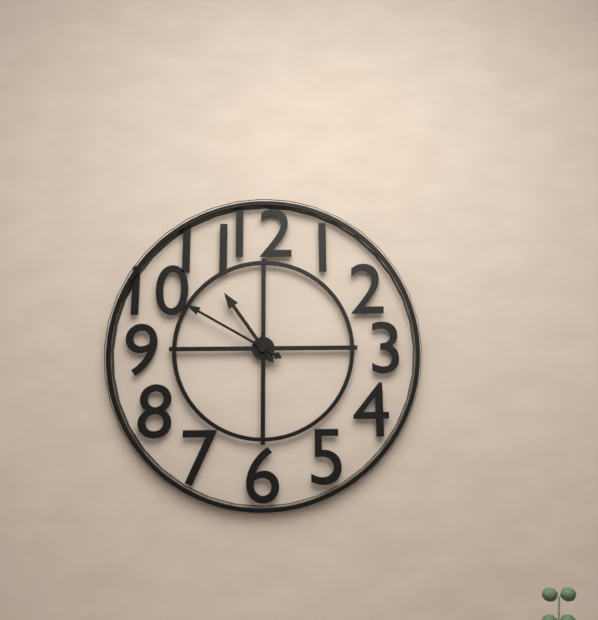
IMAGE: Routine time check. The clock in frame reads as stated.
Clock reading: 10:50
